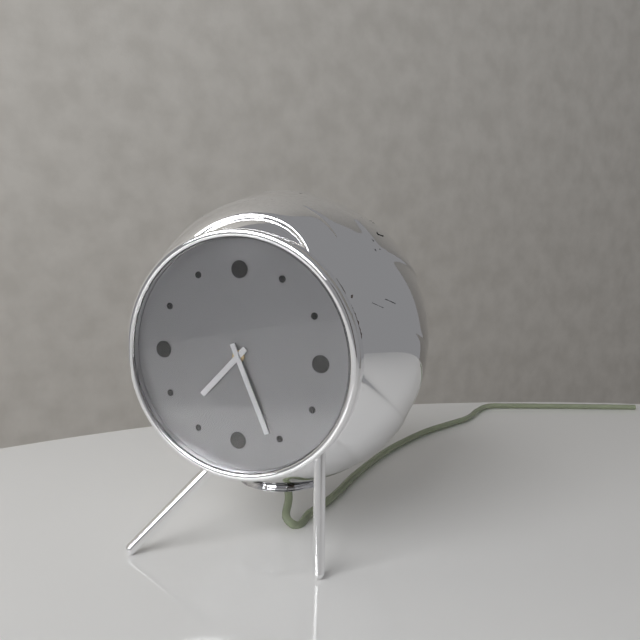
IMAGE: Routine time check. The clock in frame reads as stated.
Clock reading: 7:26
